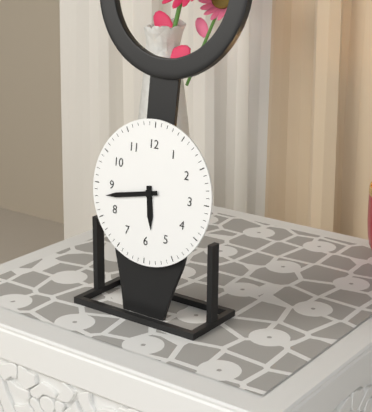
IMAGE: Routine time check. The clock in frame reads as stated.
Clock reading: 5:43
